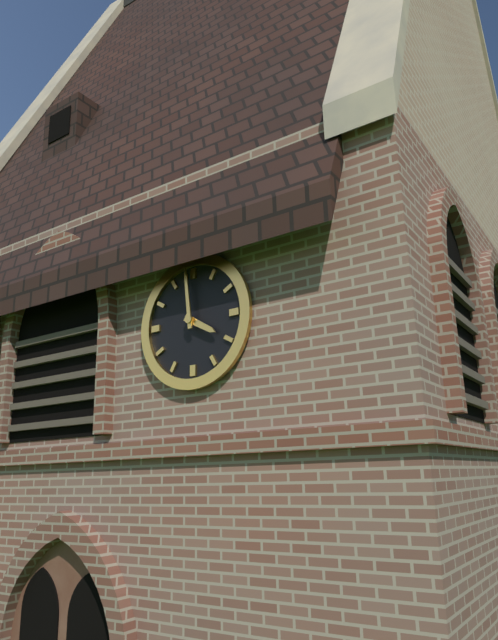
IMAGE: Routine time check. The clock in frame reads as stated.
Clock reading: 3:59
